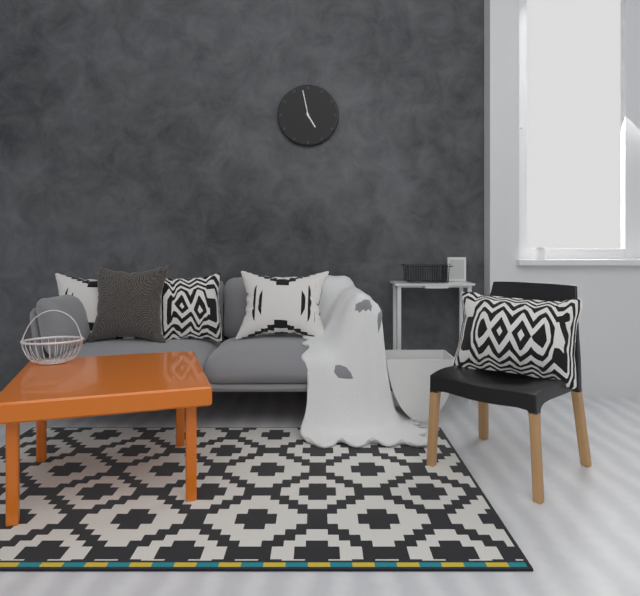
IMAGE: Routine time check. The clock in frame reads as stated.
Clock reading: 4:58
